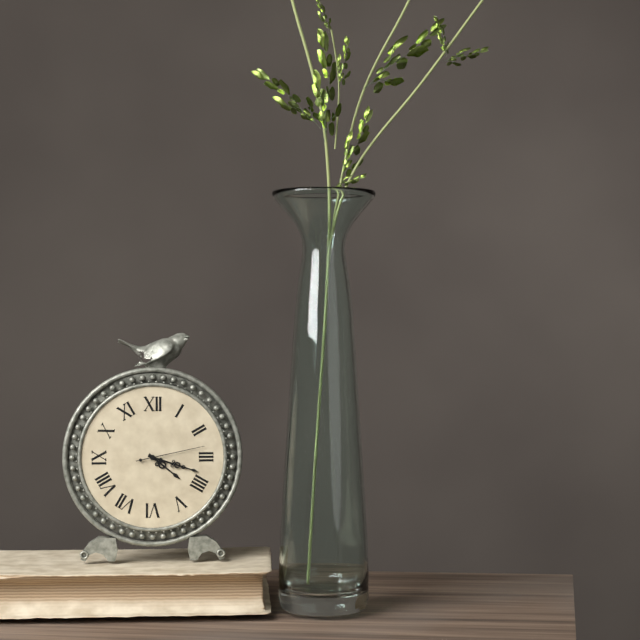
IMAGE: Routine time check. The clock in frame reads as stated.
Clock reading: 4:18:13
